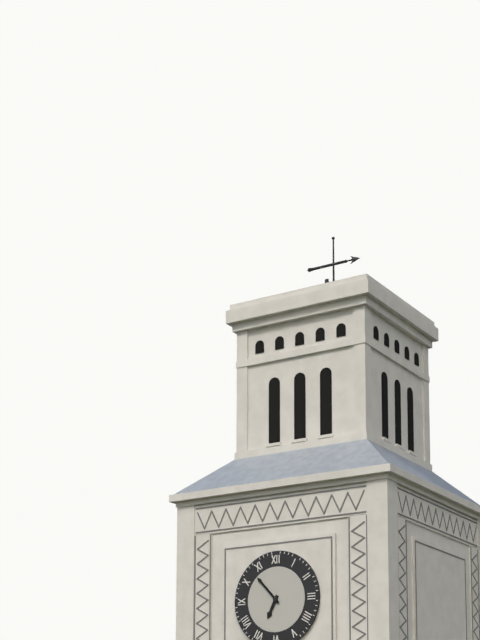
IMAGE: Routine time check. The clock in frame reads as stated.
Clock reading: 6:53
